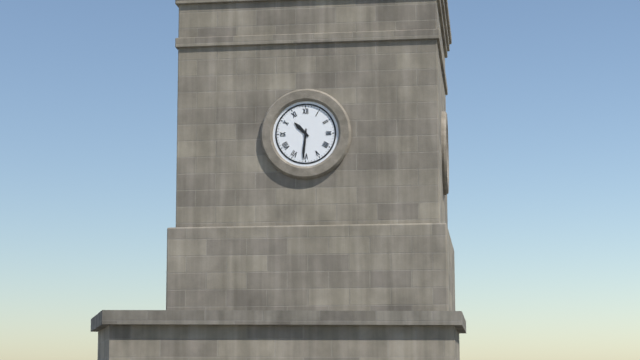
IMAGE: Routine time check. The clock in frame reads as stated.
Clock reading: 10:31
